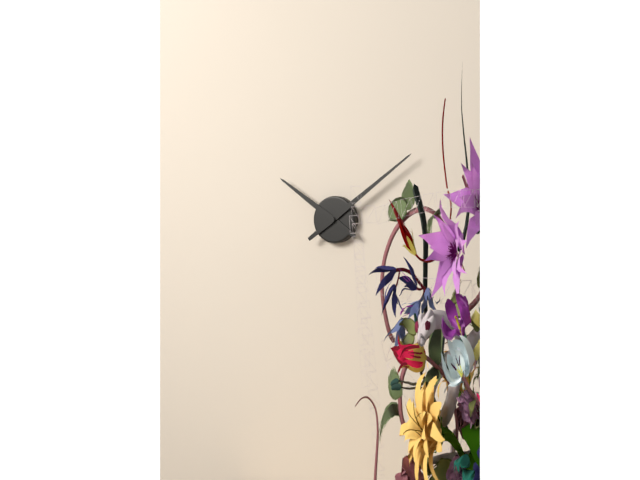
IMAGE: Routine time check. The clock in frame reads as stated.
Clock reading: 10:09
